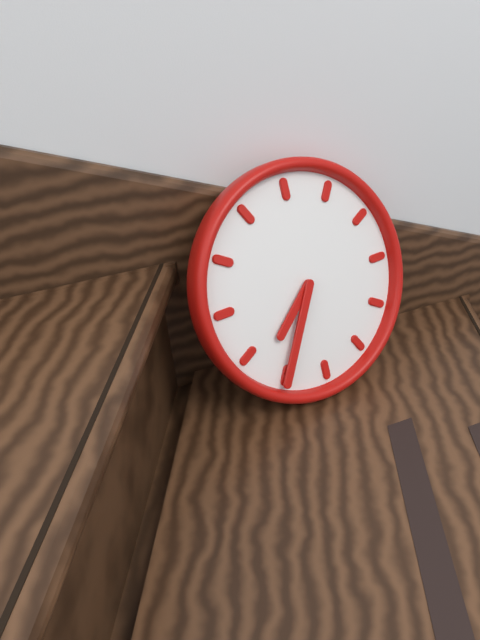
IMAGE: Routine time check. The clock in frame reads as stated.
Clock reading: 7:35
